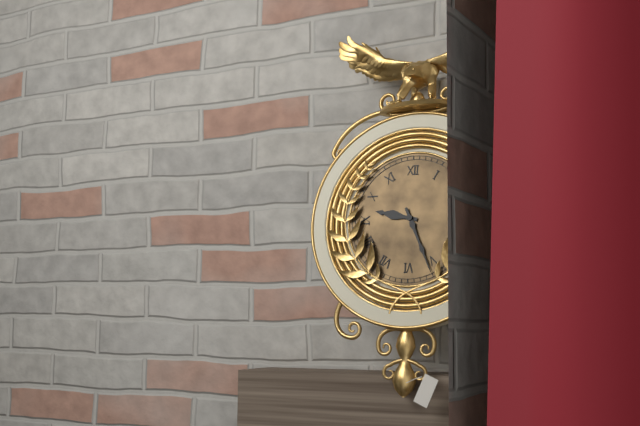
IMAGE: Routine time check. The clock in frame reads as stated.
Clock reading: 9:26
